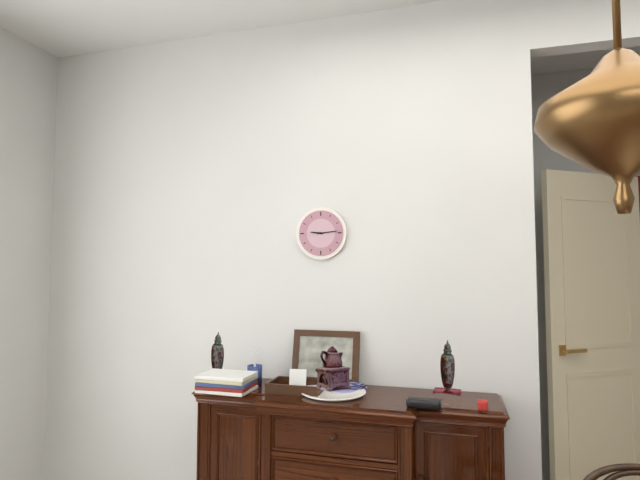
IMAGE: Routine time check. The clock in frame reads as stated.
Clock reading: 9:14
